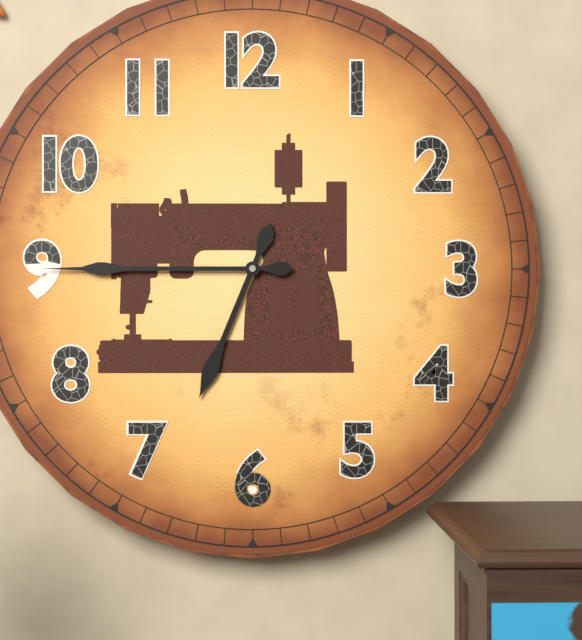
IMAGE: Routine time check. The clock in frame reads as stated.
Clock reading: 6:45
